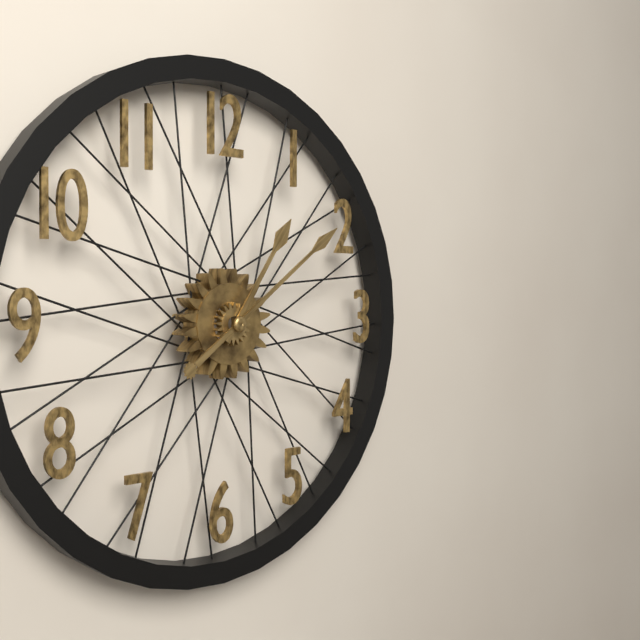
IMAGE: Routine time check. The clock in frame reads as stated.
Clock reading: 1:09
